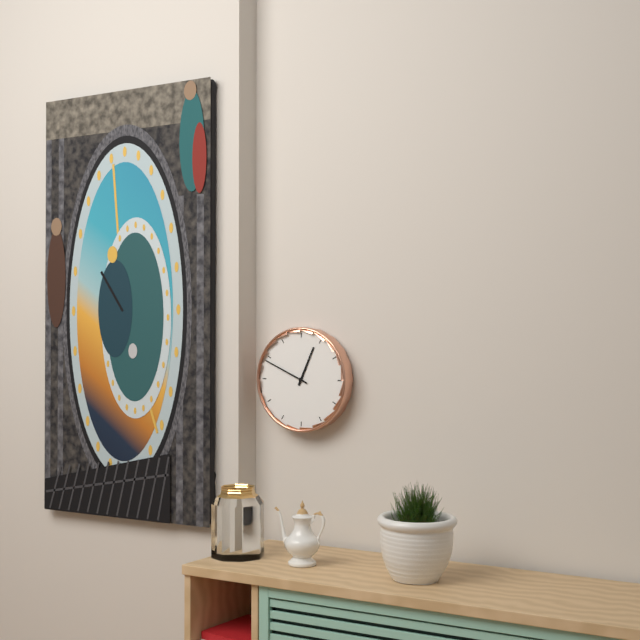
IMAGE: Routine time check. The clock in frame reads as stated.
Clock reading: 12:49
